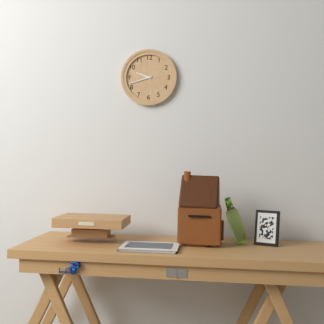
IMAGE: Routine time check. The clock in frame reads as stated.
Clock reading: 9:42
